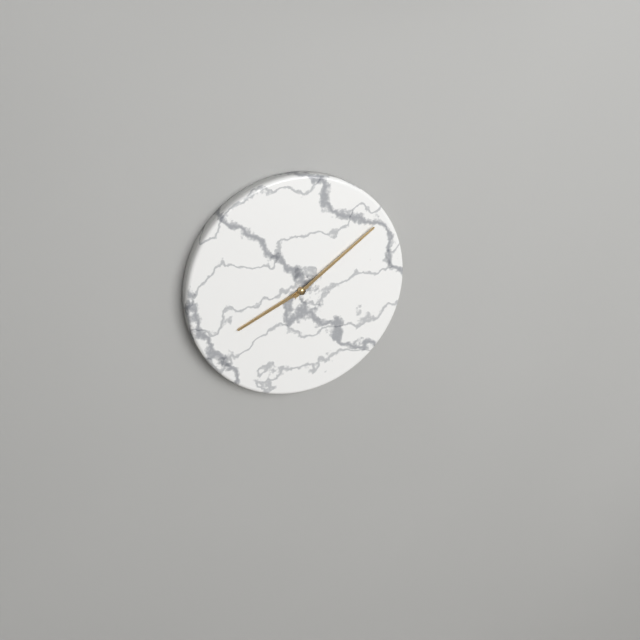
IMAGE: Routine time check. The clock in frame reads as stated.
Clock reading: 8:09
